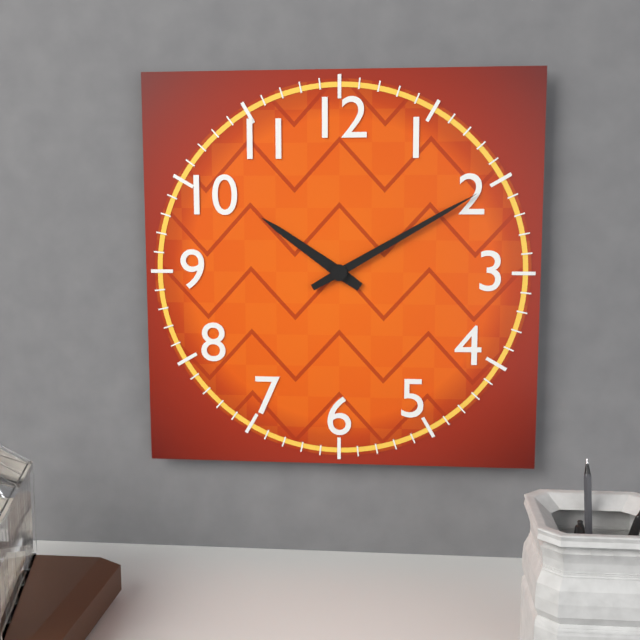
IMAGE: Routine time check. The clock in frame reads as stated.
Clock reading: 10:10
